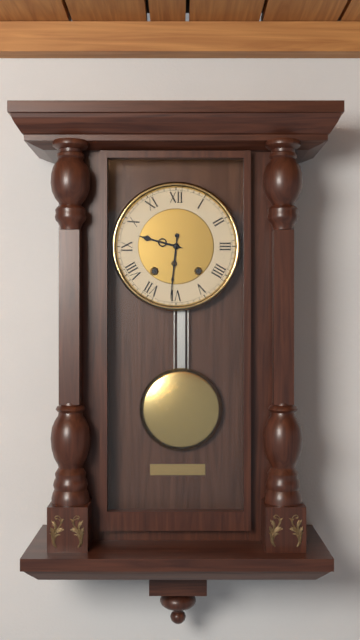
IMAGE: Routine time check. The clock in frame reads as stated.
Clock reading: 9:31
